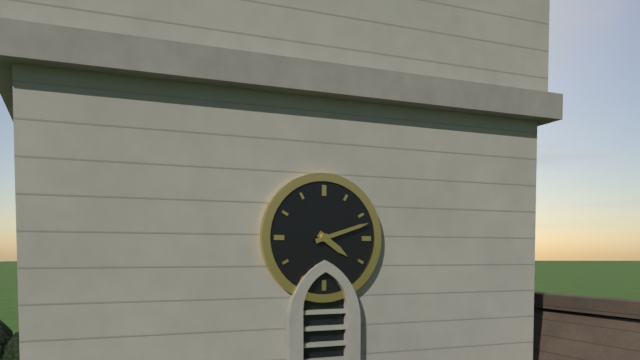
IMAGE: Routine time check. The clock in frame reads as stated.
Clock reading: 4:12
